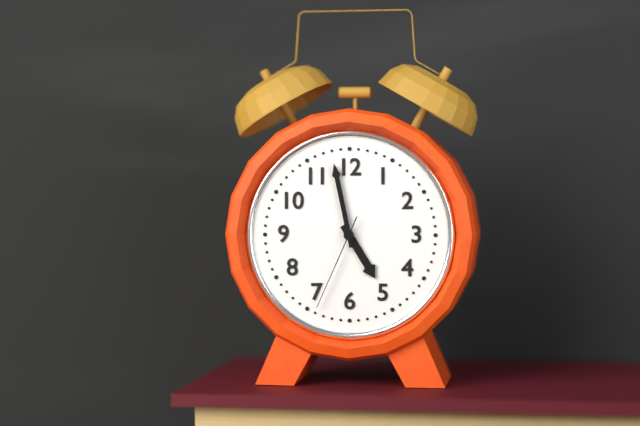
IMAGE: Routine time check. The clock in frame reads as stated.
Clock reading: 4:58:34
